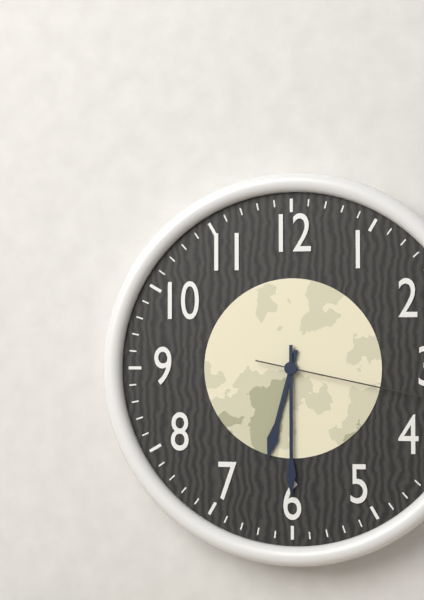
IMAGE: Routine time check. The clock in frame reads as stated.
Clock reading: 6:30
